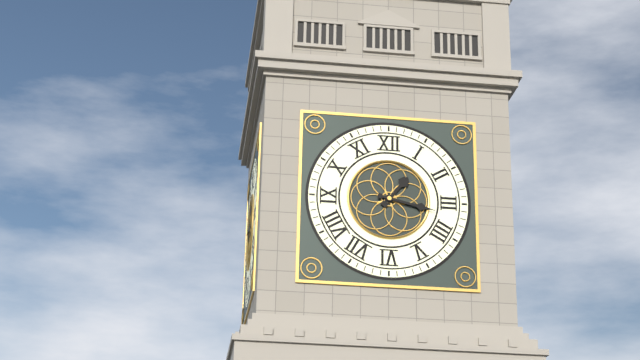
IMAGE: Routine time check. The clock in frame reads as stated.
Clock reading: 1:17
